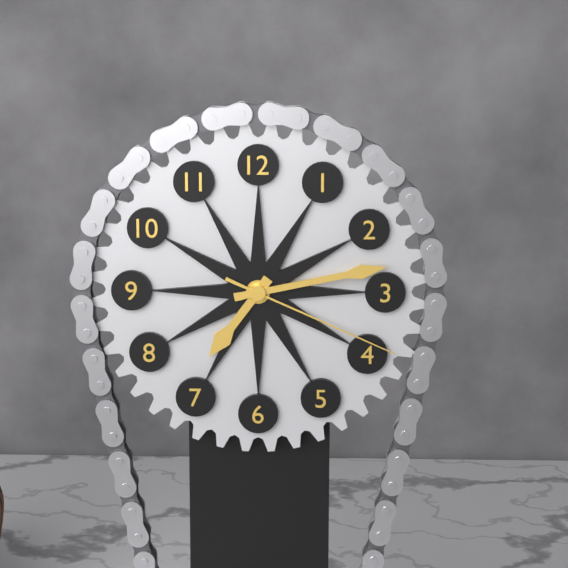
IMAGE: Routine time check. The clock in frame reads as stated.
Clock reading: 7:13:19
